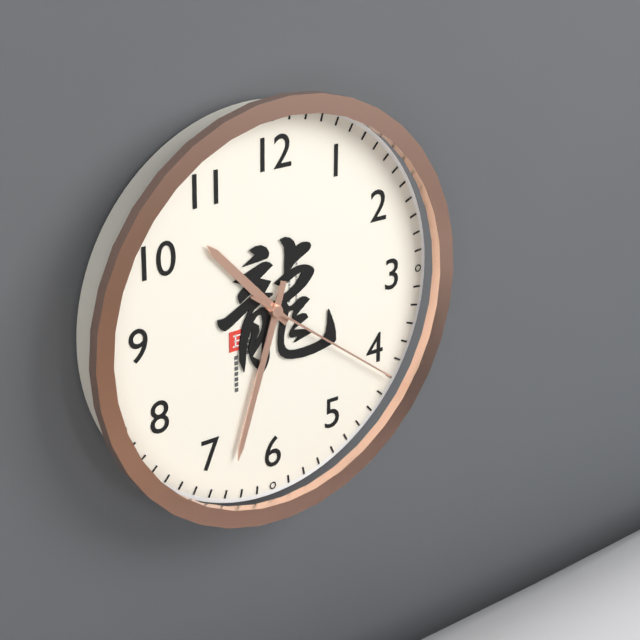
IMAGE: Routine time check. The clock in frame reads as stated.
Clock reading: 10:33:21
